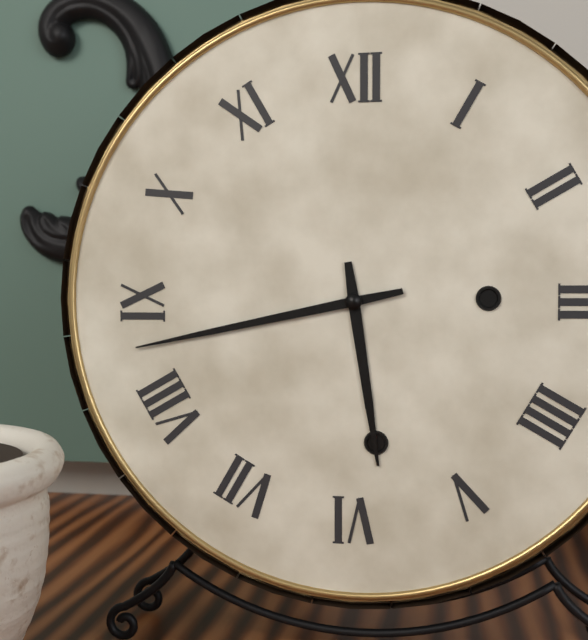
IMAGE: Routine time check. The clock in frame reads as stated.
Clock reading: 5:43
